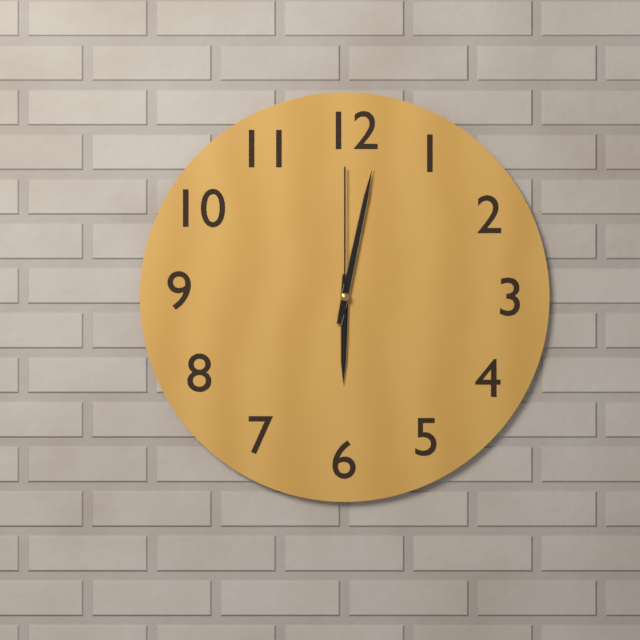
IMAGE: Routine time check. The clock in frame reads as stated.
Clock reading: 6:02:00
